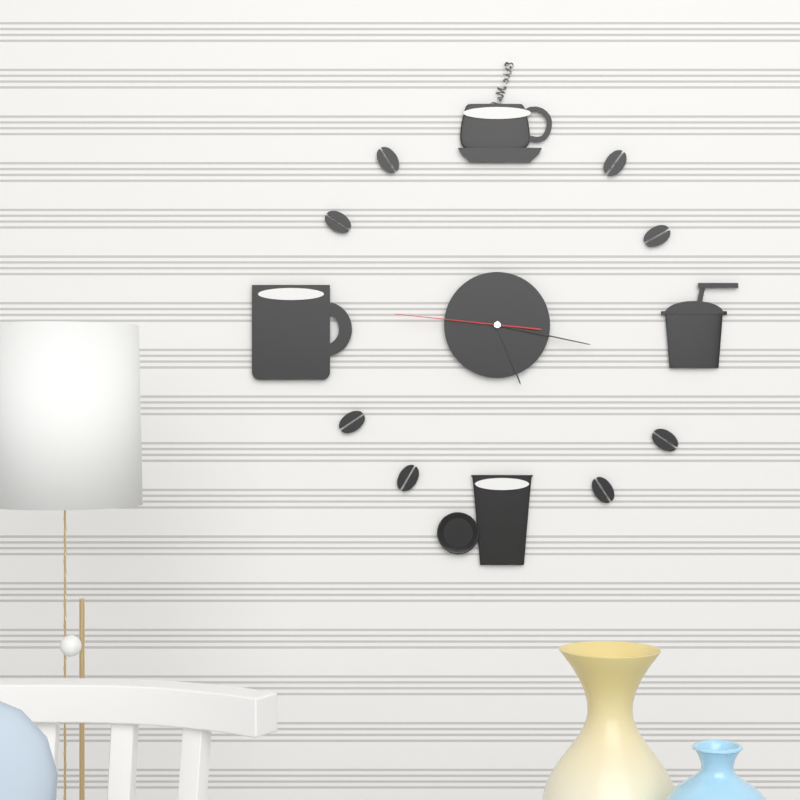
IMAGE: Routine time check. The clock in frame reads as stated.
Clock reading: 5:17:46
